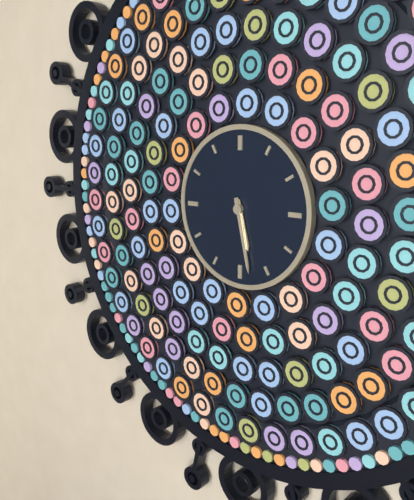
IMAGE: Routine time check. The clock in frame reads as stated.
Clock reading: 5:28
